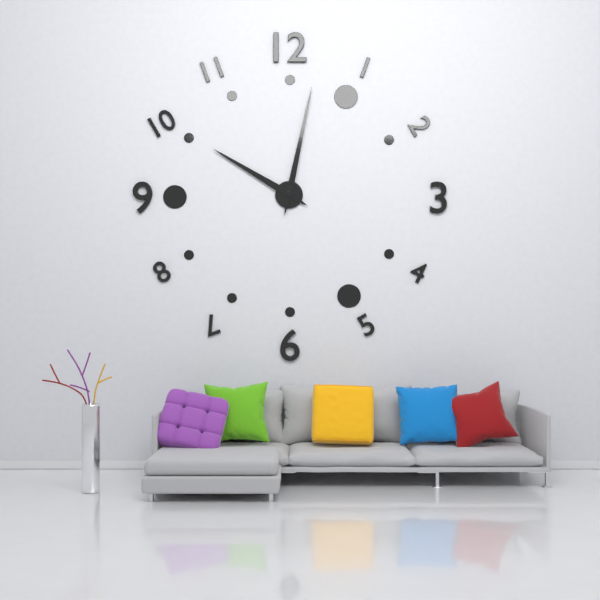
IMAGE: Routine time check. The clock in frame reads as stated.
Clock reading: 10:02
